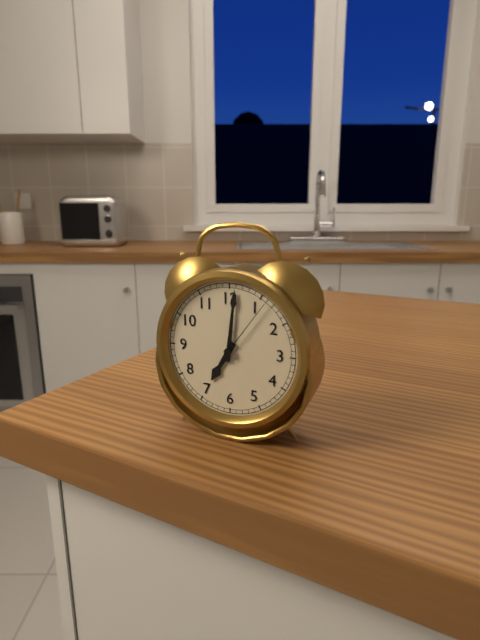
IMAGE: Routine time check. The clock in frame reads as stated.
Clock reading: 7:01:06
